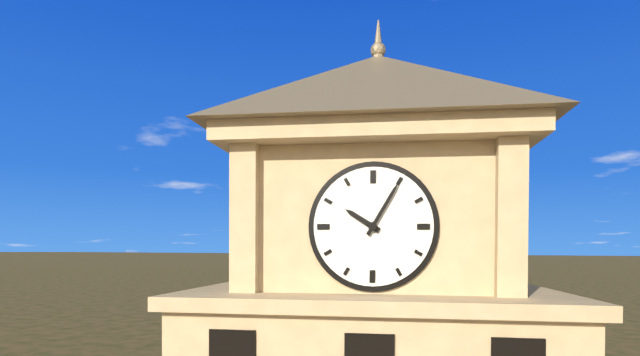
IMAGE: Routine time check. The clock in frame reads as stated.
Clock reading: 10:05
